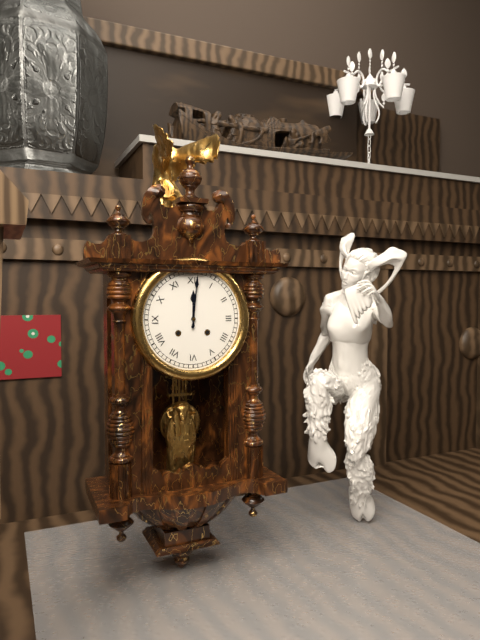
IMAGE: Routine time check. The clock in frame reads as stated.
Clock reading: 12:01
